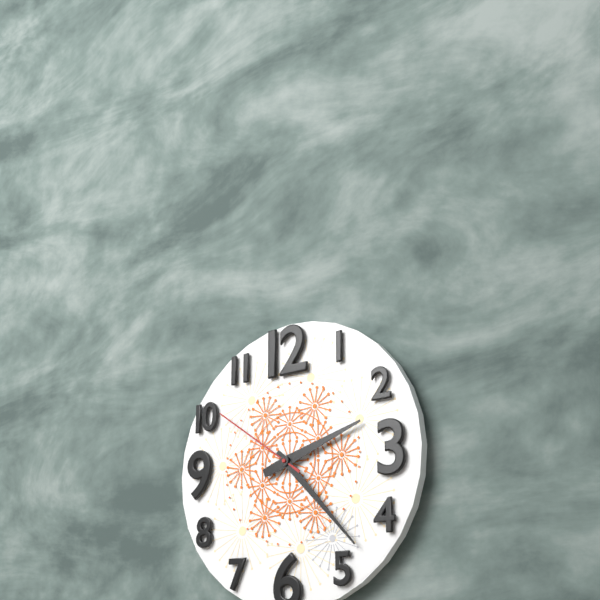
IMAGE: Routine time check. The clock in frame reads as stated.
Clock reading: 2:23:51
